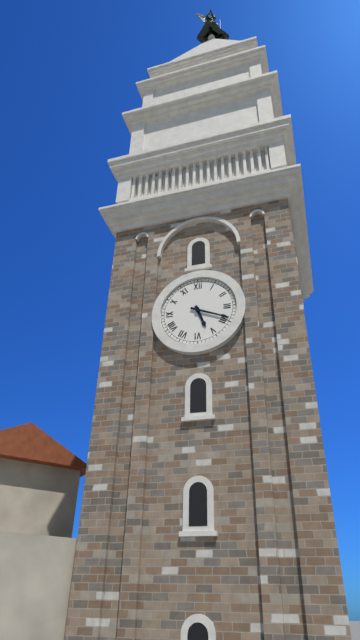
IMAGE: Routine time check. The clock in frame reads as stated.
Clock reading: 5:19
